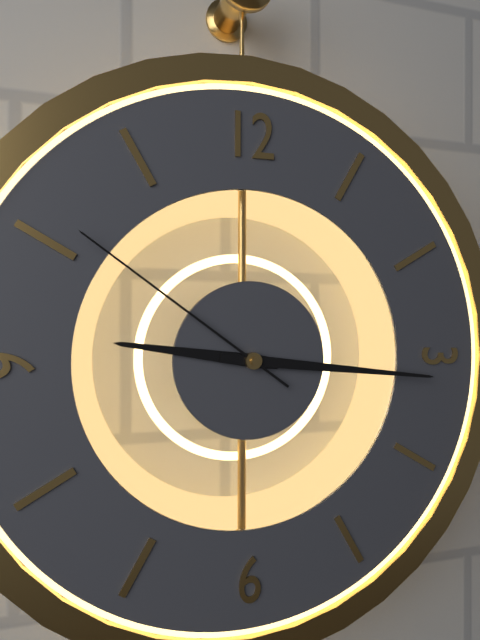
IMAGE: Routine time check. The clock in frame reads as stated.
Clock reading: 9:16:51
